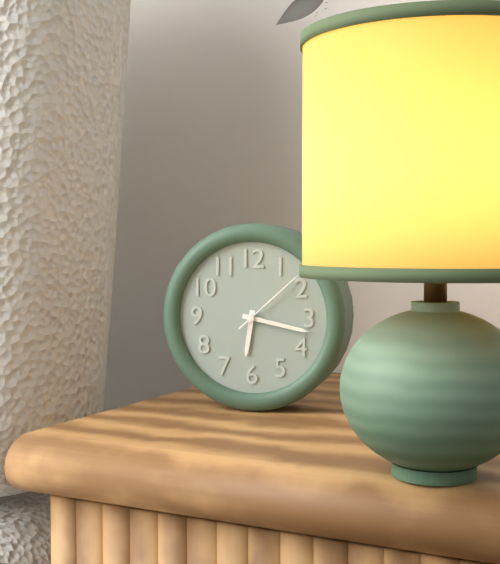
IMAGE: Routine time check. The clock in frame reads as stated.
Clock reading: 6:17:08
